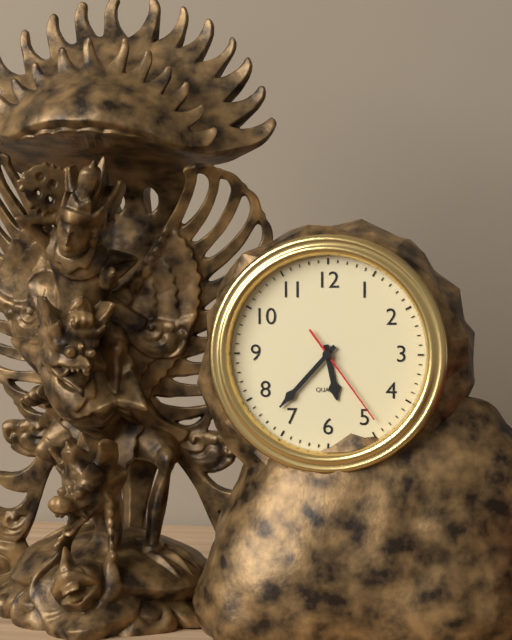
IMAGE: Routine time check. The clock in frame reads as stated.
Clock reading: 5:37:24
